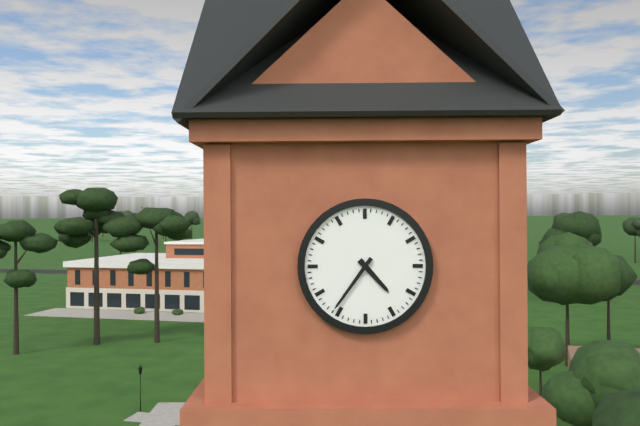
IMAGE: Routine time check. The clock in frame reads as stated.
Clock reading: 4:36
